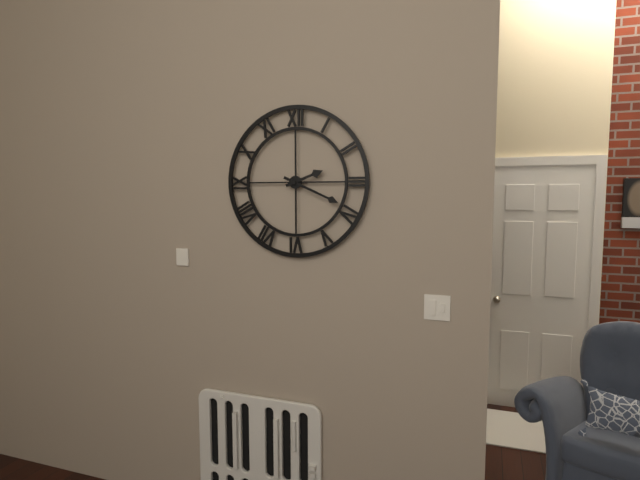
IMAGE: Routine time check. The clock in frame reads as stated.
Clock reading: 2:19
